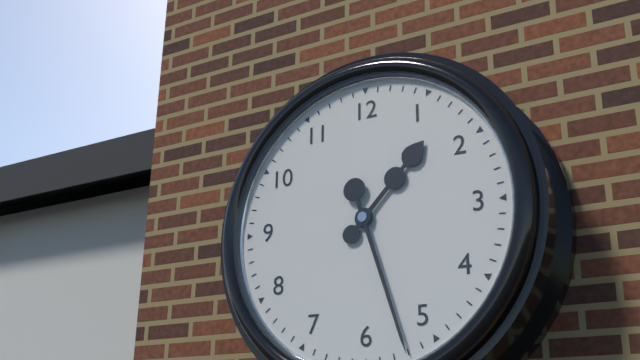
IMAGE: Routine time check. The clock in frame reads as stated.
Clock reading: 1:27
